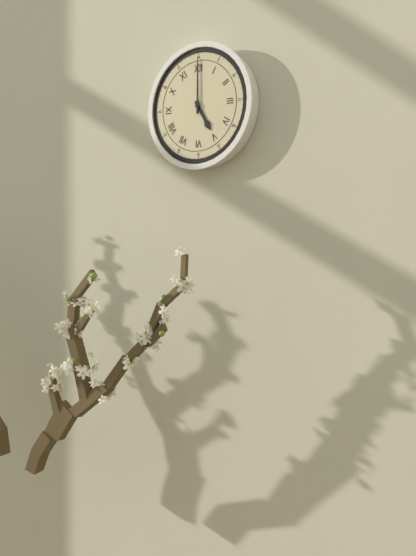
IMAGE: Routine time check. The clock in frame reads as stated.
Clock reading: 5:00
